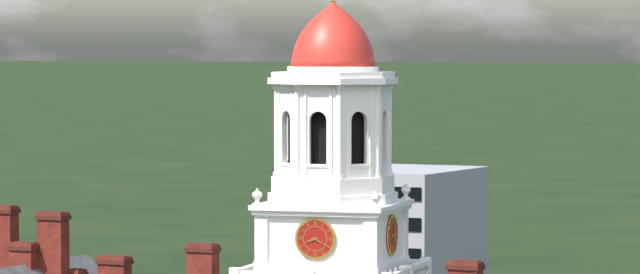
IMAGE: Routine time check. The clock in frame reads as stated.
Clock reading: 8:20
